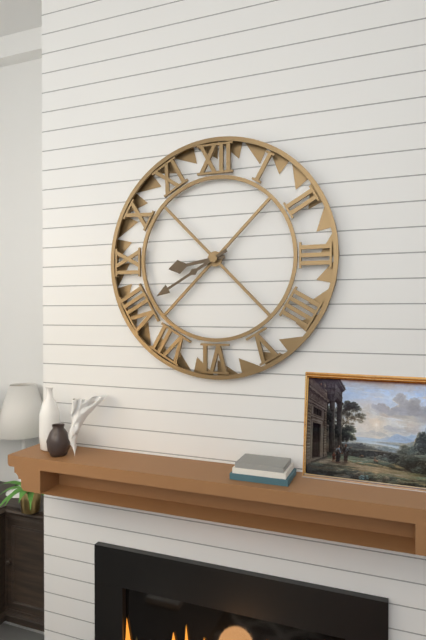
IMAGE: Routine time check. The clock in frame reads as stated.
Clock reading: 8:40
